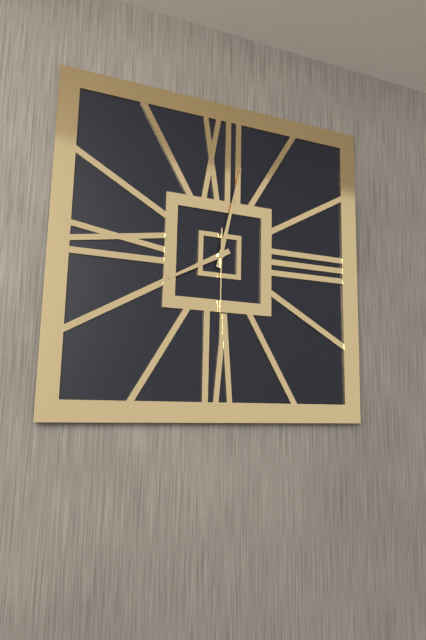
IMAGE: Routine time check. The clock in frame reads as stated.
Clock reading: 8:02:30
